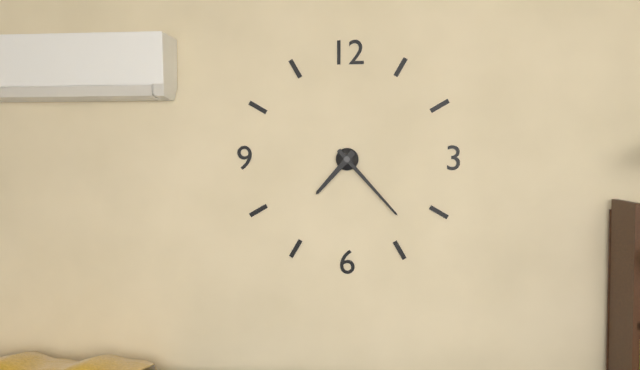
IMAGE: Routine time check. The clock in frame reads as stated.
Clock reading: 7:23
